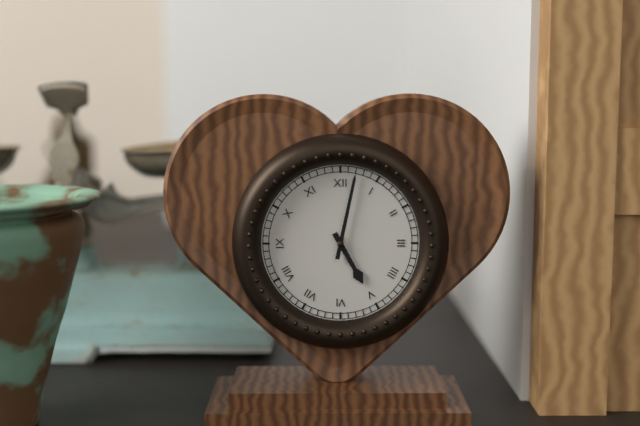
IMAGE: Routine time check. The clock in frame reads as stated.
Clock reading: 5:02
